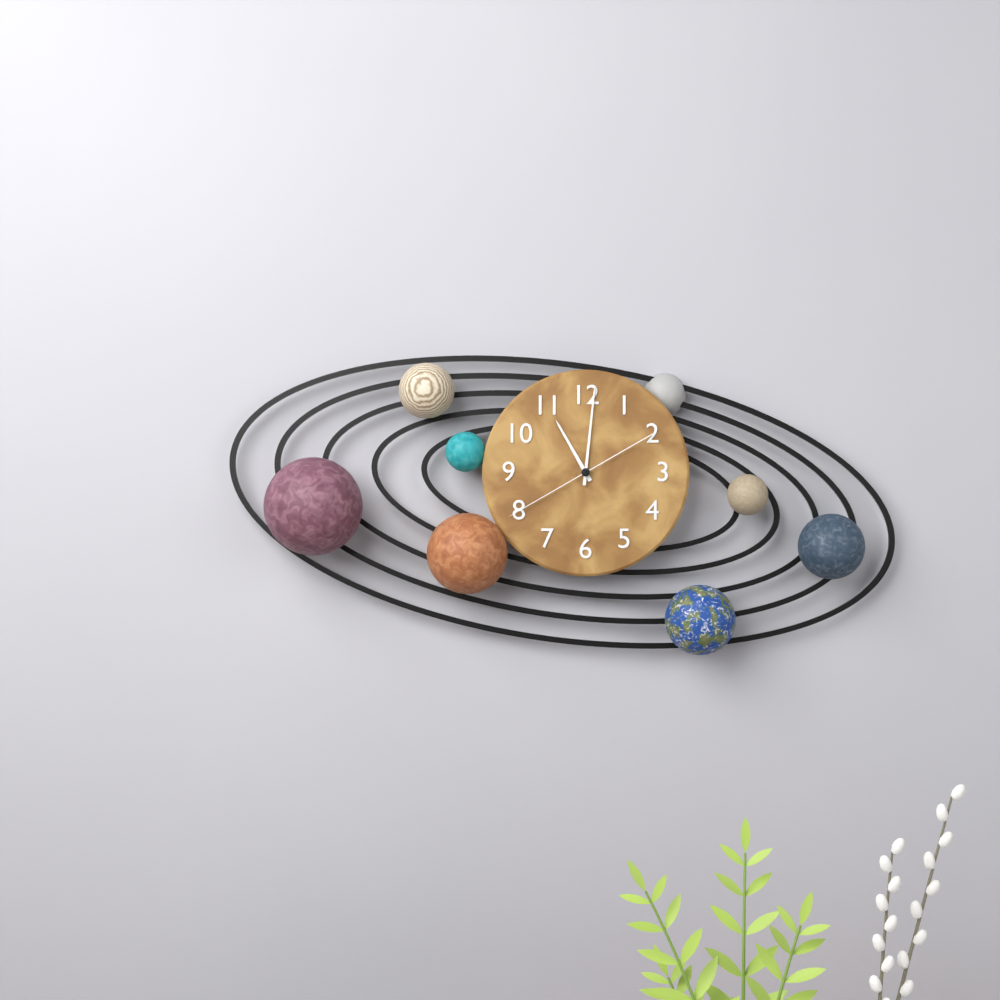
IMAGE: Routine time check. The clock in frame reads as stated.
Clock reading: 11:01:40
